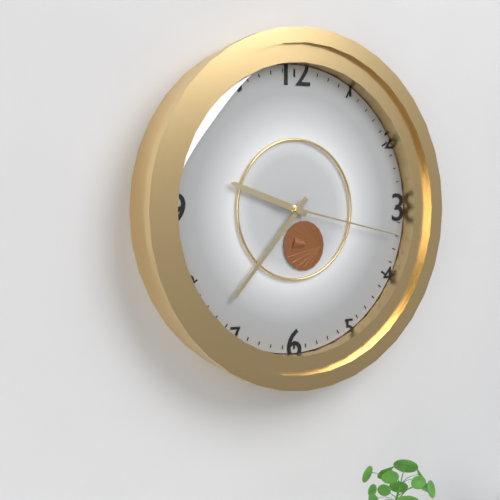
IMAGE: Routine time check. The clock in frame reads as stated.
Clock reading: 9:37:17
